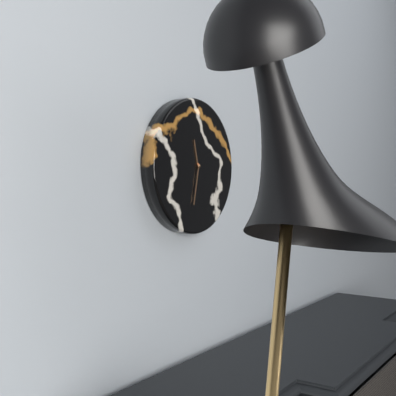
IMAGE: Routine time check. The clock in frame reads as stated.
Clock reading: 11:32
